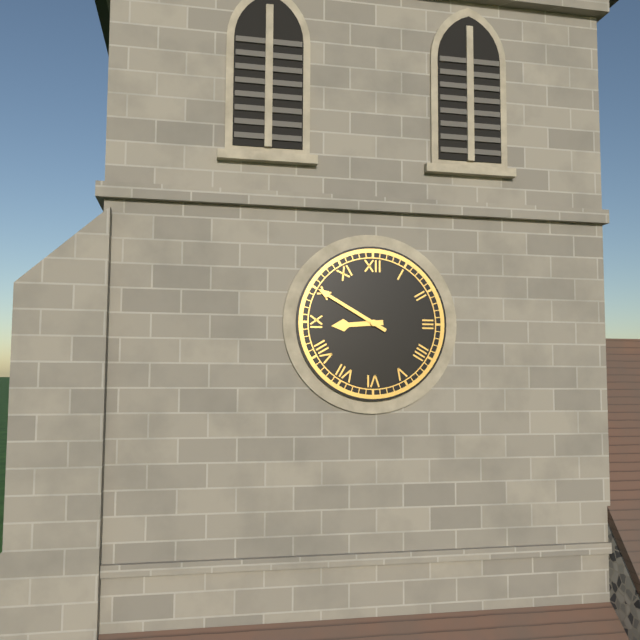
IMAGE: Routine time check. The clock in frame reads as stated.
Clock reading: 8:50
